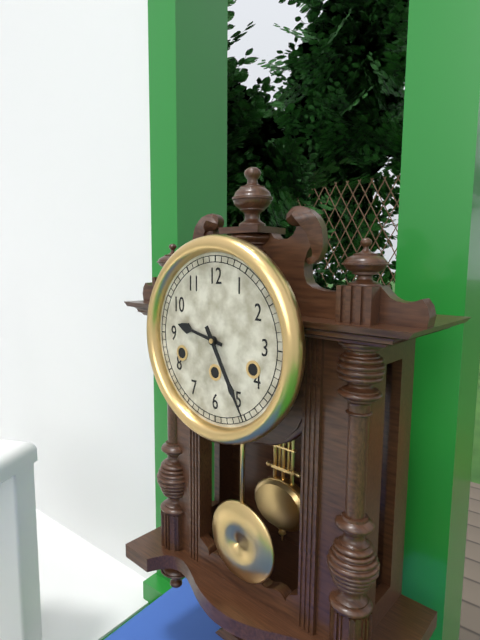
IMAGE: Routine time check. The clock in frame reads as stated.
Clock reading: 9:25
